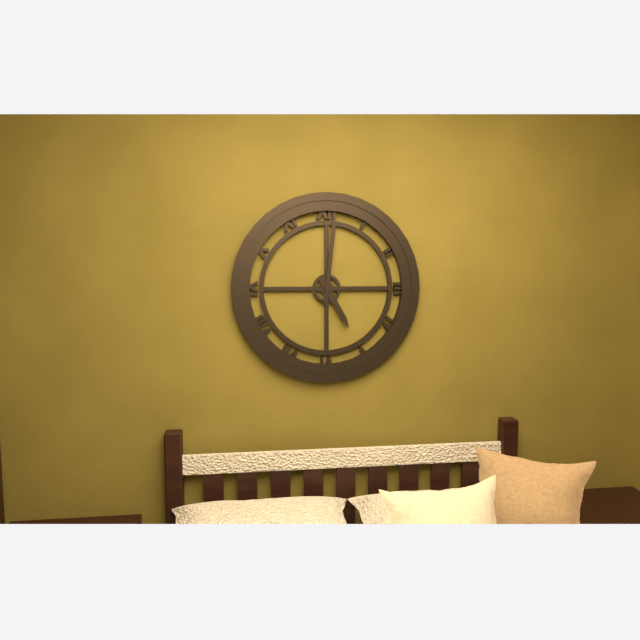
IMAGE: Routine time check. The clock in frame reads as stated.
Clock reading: 5:01
